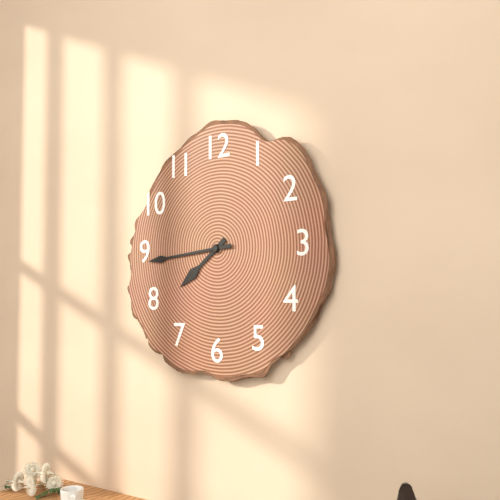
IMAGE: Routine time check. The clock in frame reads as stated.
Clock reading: 7:44
